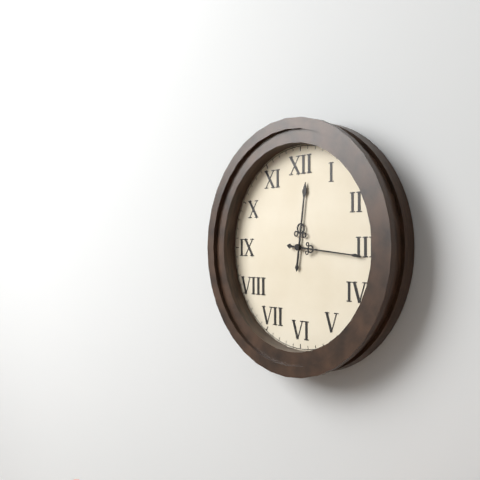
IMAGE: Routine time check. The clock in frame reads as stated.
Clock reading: 12:16
